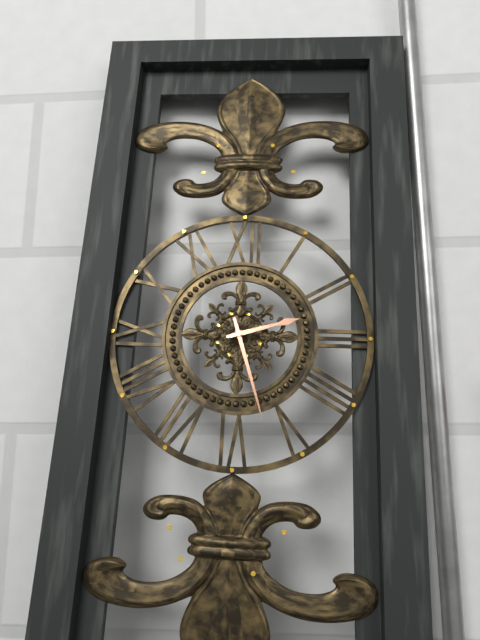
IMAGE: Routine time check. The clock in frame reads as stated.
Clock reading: 2:27
